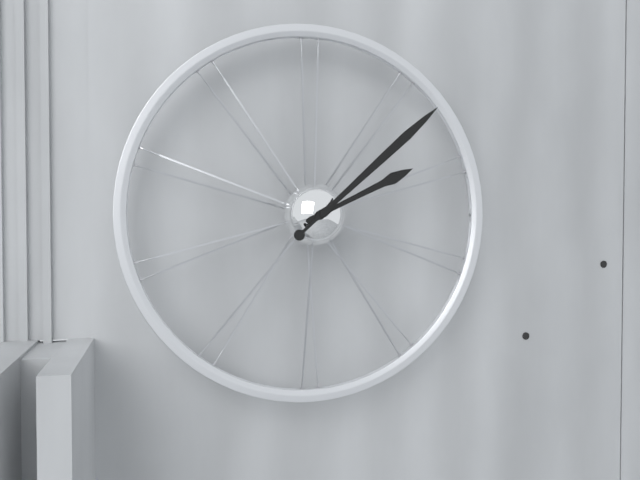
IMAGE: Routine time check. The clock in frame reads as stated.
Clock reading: 2:08
